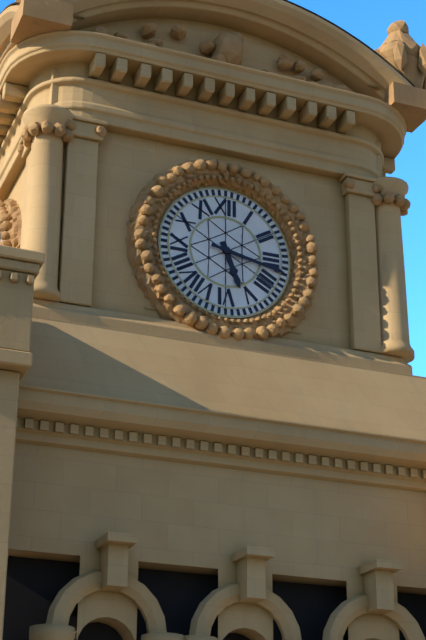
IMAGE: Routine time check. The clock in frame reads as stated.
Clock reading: 5:17
